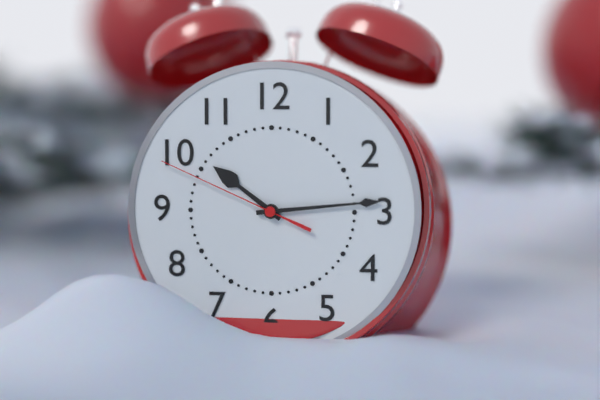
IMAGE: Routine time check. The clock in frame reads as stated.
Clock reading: 10:14:49
